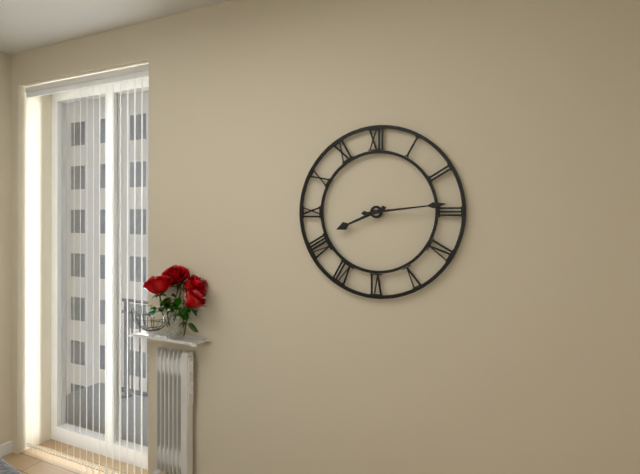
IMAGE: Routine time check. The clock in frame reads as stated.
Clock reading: 8:14
